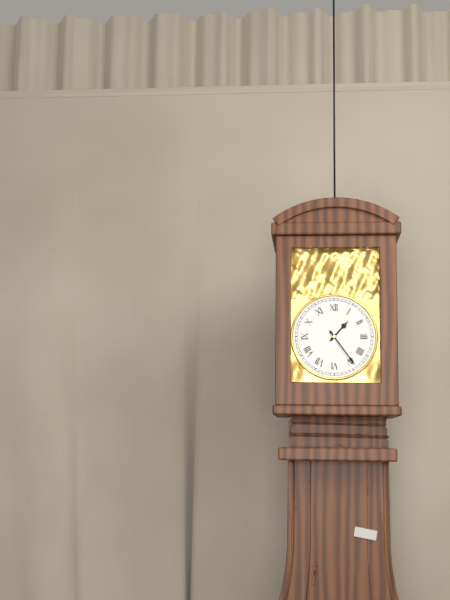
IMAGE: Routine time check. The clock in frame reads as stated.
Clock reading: 1:24
